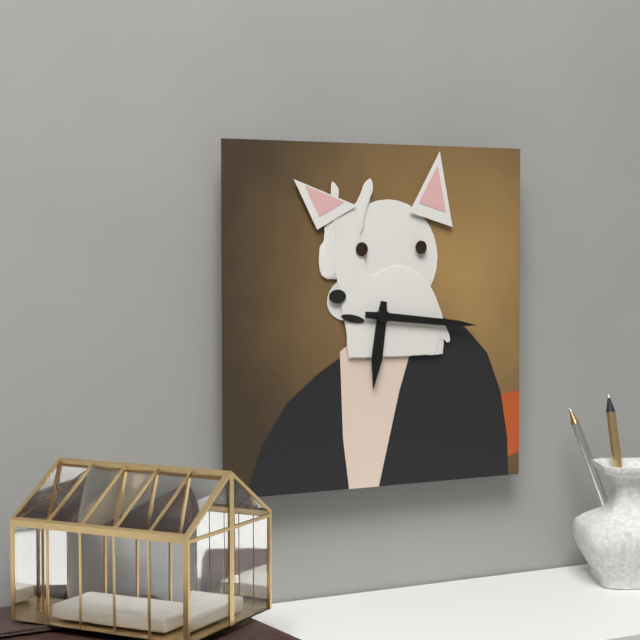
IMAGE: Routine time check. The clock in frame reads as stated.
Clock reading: 6:16
